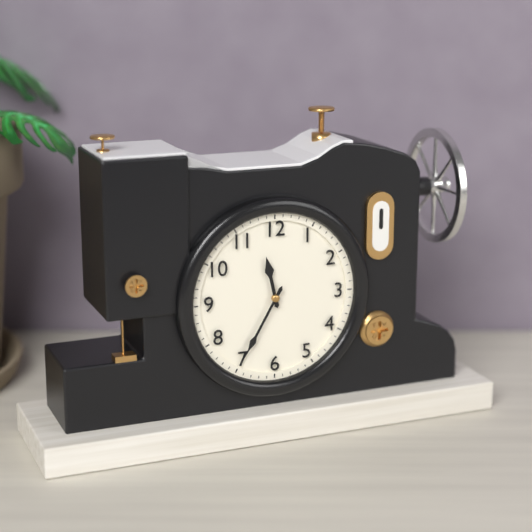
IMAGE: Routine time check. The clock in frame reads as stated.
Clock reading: 11:35
